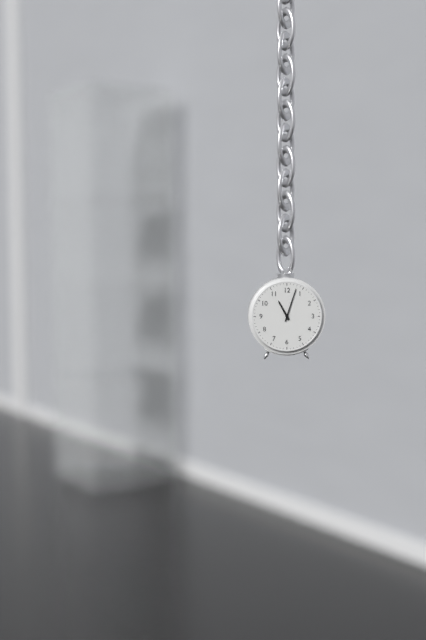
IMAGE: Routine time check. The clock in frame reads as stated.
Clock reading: 11:03
